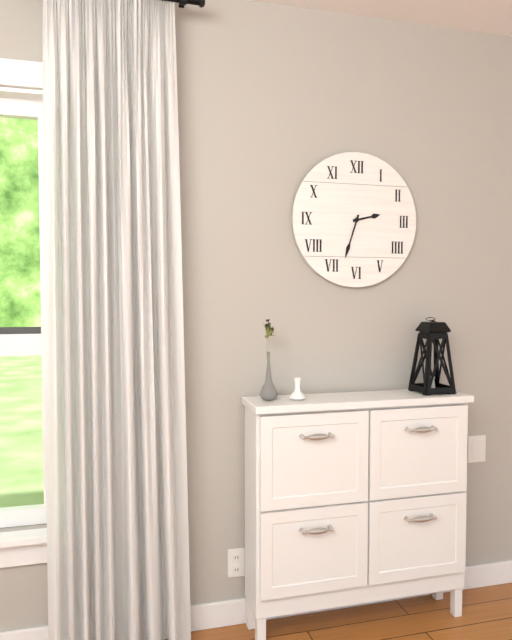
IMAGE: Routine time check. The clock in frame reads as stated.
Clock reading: 2:33
